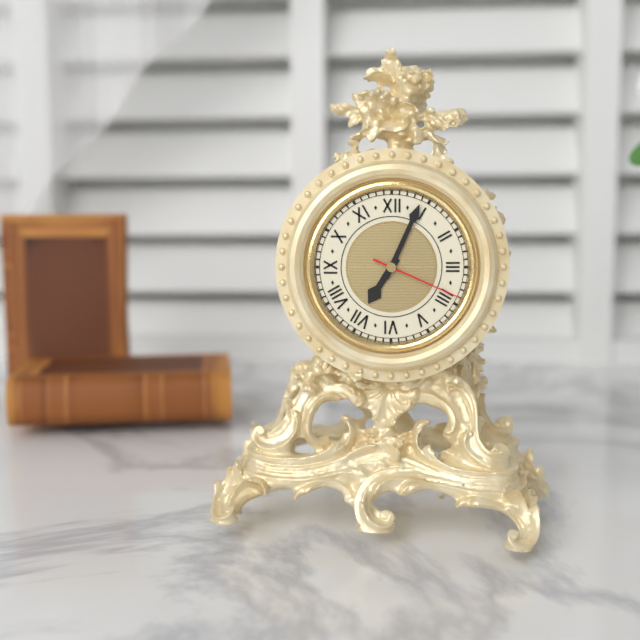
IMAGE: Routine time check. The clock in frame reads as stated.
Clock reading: 7:04:19
